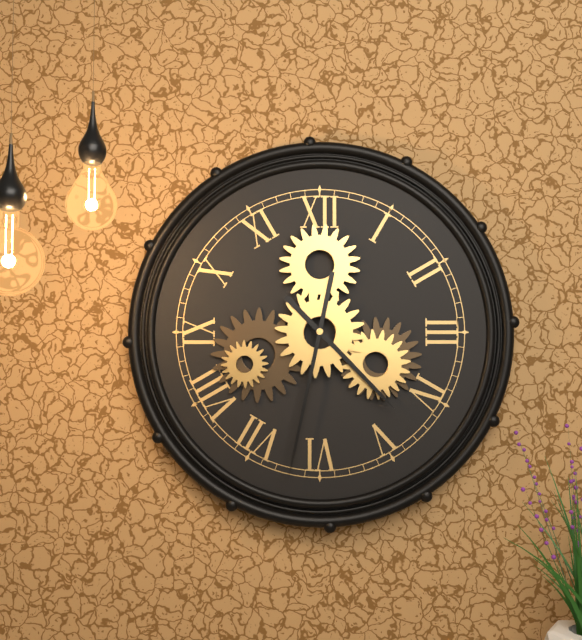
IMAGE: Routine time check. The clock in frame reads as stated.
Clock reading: 4:32
